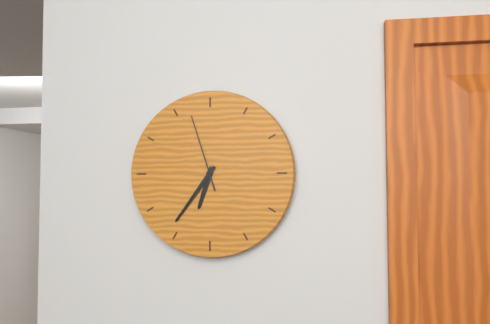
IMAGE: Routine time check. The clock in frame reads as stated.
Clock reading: 6:36:57
